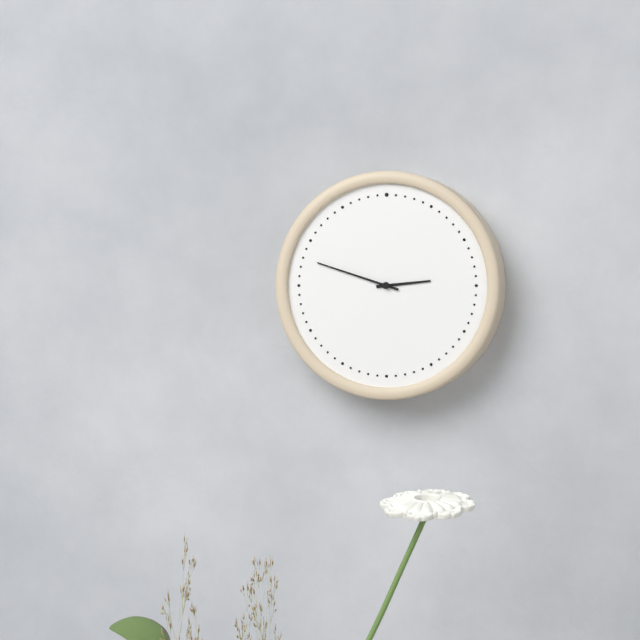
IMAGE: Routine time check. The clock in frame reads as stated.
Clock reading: 2:48
